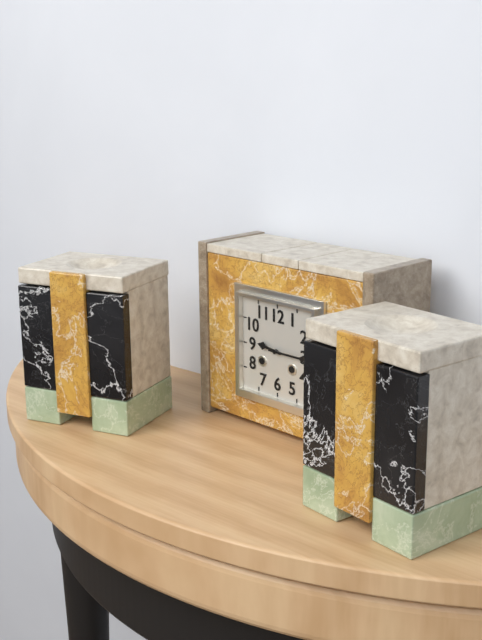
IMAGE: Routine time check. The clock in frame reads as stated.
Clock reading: 9:15
